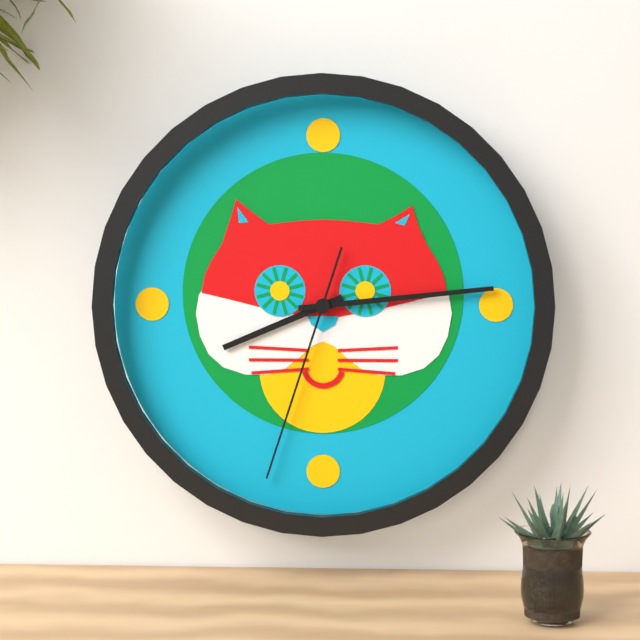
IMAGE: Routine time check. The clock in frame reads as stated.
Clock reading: 8:14:33
